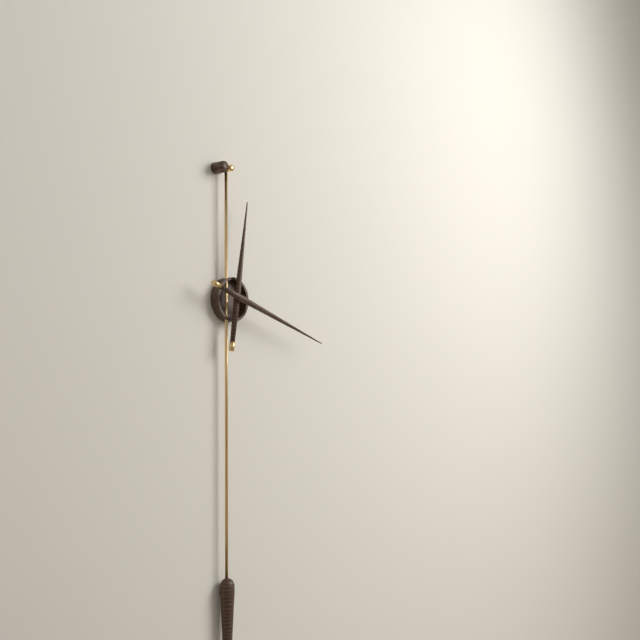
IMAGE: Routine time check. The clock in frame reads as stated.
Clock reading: 12:18
